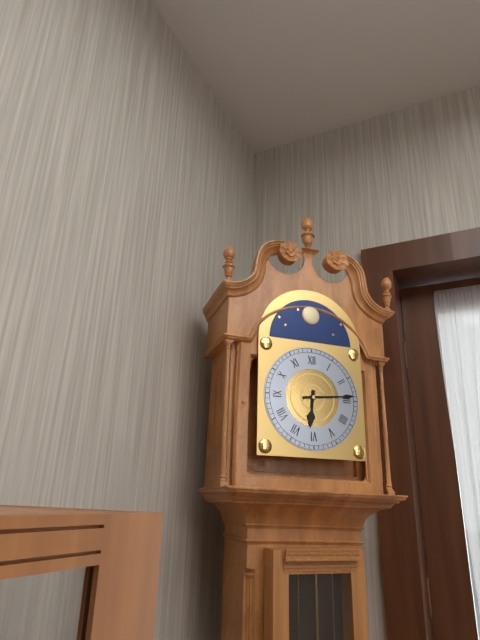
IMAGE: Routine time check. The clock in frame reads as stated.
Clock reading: 6:14
